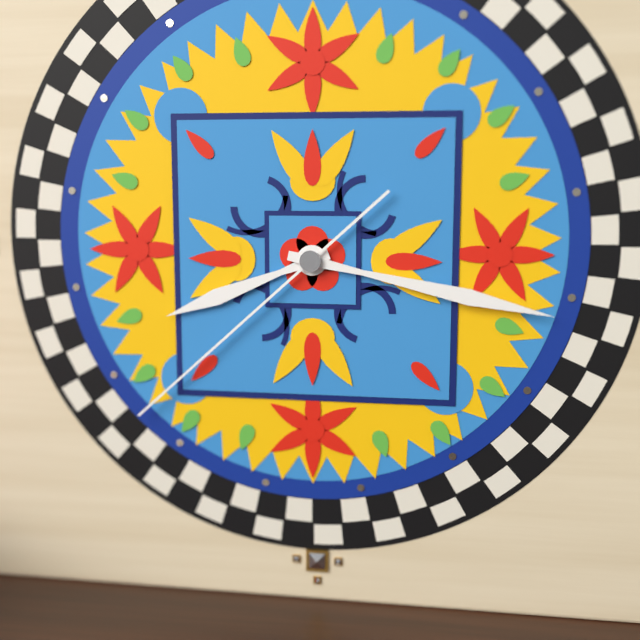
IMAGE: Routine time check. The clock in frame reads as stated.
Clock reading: 8:17:38
